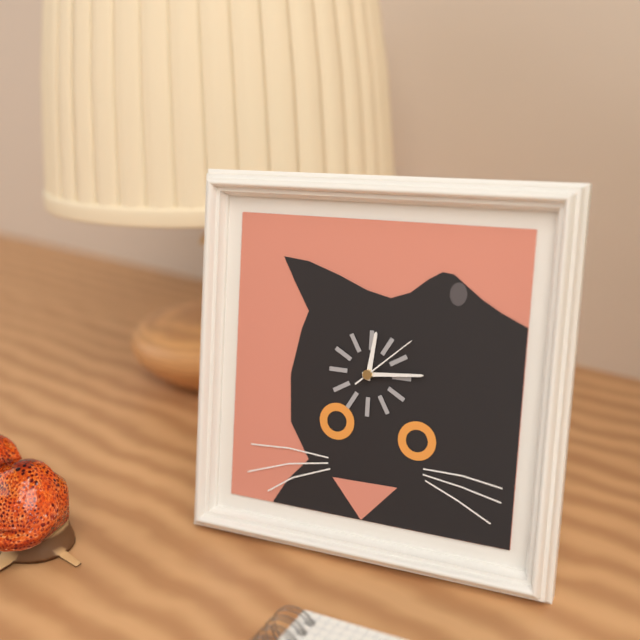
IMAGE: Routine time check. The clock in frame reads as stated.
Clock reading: 12:14:08
